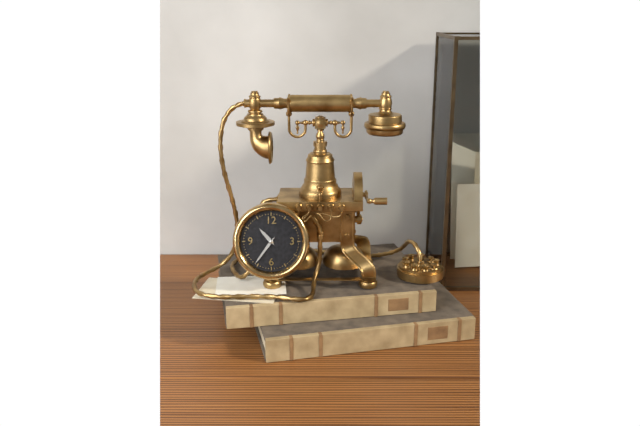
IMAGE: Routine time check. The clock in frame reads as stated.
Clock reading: 10:36
